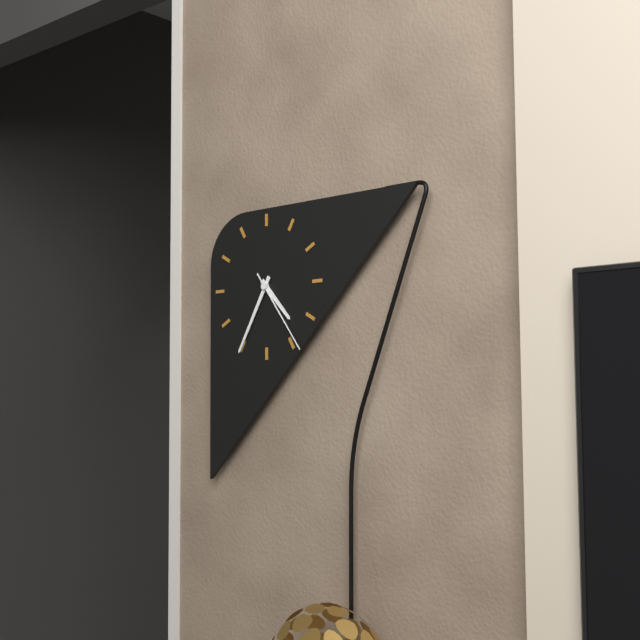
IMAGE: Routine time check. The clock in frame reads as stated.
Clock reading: 4:35:24
